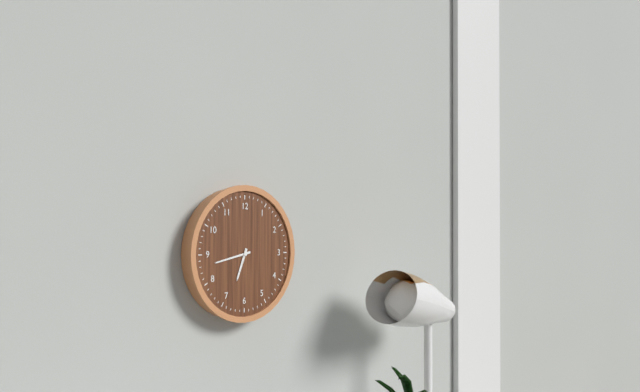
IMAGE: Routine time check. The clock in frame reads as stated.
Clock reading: 6:43
